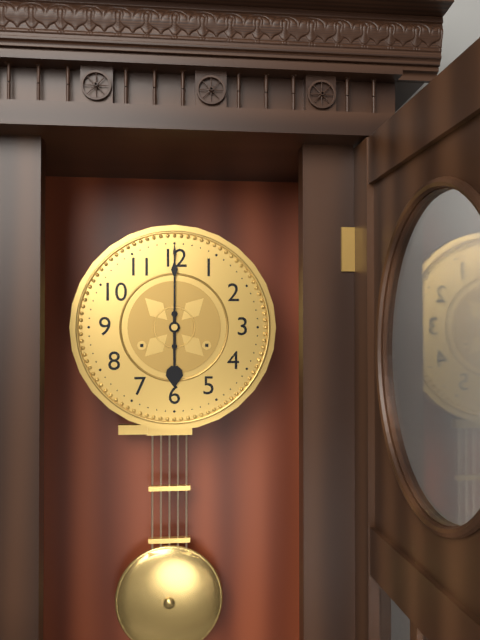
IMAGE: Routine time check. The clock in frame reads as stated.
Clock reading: 6:00
